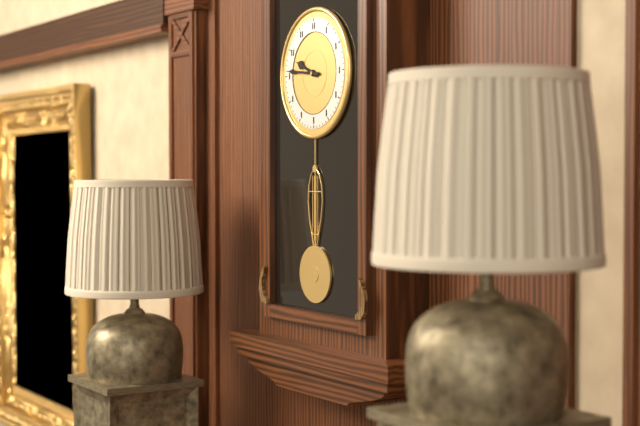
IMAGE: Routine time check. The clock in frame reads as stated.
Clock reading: 9:46
